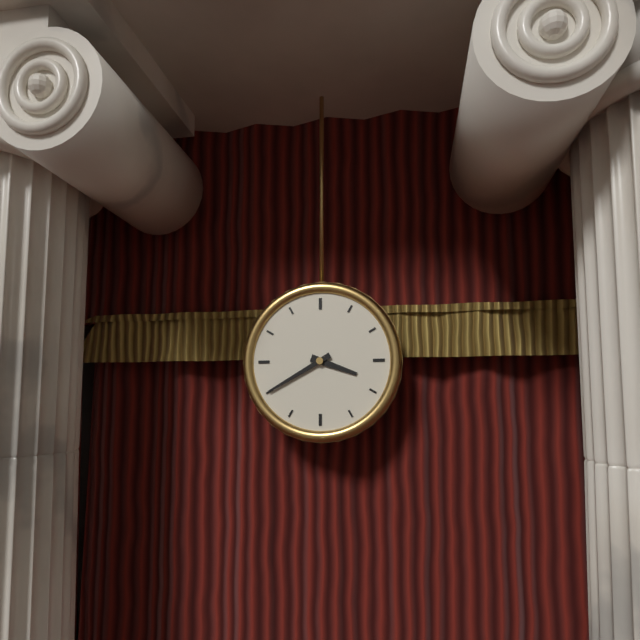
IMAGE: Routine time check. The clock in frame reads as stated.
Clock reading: 3:40
